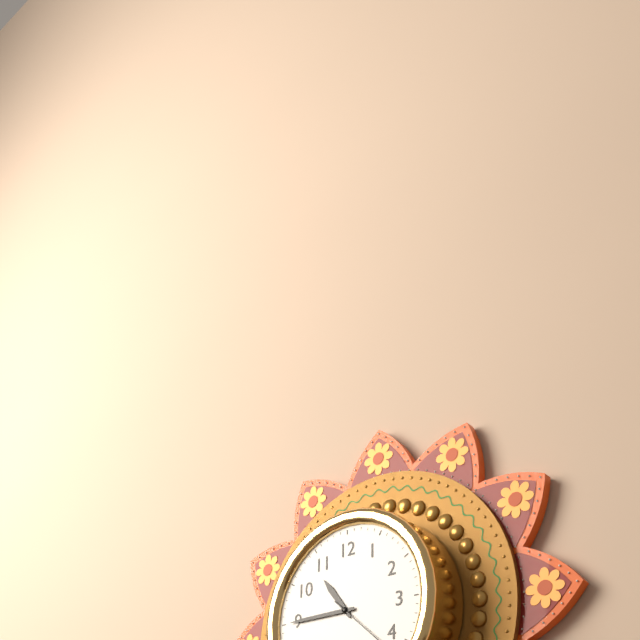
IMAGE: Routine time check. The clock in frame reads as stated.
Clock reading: 10:45
